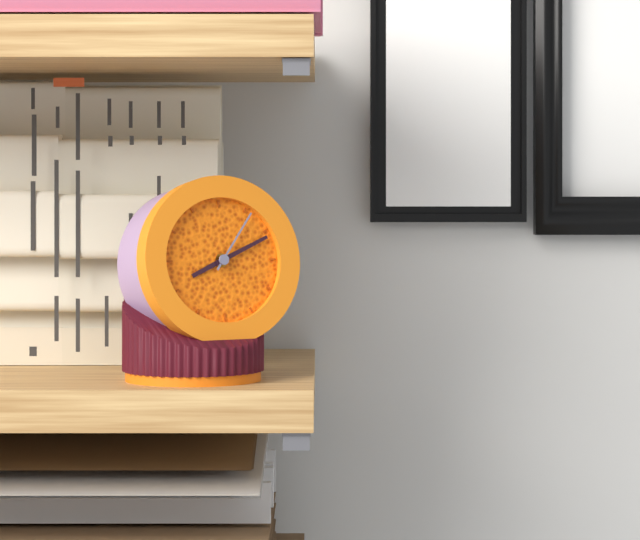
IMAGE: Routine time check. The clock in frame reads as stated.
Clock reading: 8:11:06
